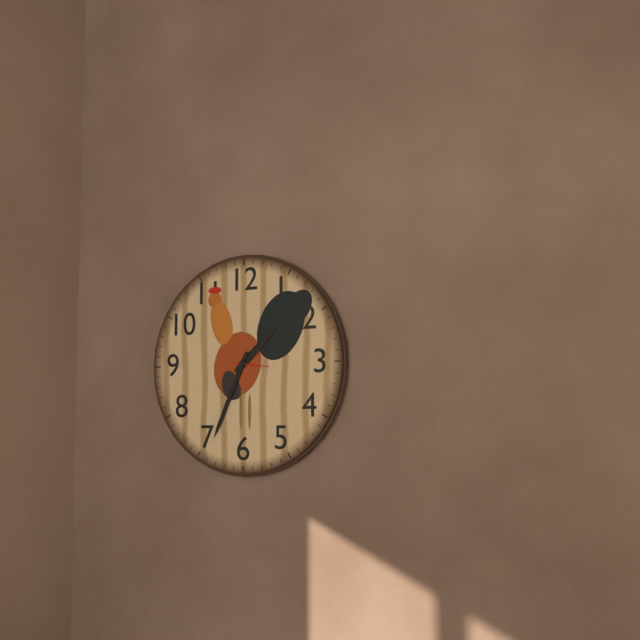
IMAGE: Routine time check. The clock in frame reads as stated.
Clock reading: 1:34
